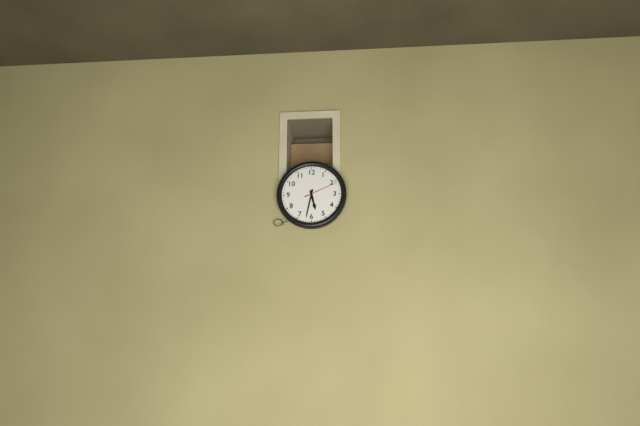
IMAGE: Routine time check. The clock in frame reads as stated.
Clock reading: 5:32
